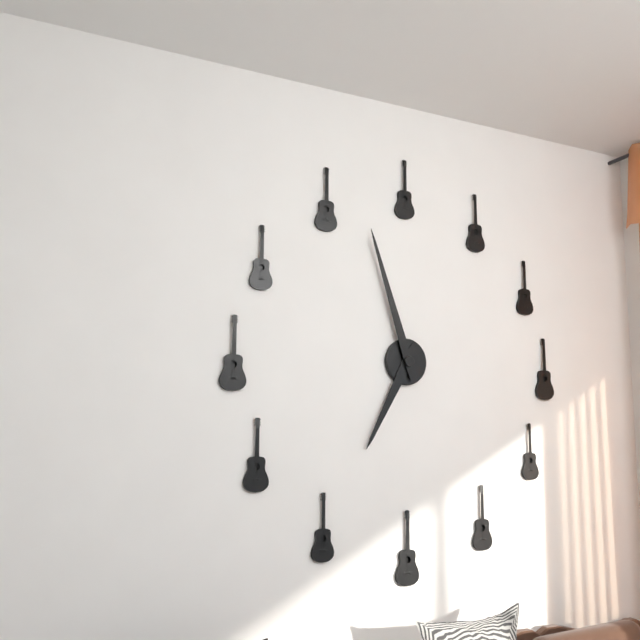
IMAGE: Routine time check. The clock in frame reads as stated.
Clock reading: 6:57
